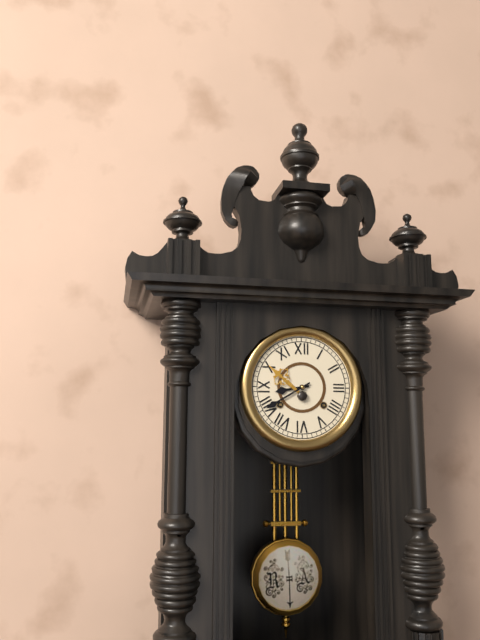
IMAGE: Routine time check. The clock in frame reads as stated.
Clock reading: 8:40
